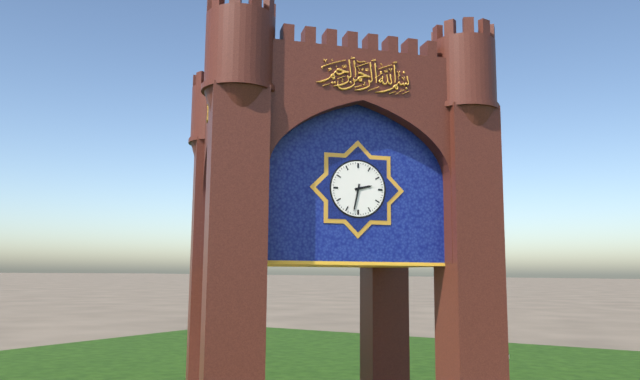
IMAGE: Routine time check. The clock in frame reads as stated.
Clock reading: 2:32
